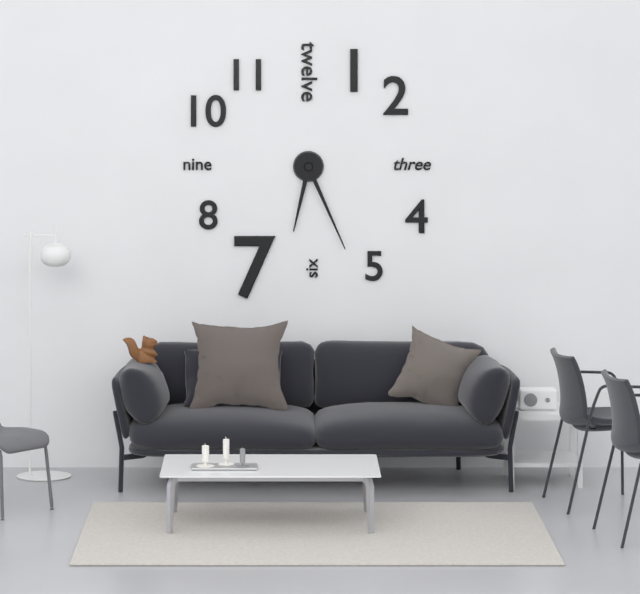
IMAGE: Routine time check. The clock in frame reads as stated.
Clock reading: 6:26
